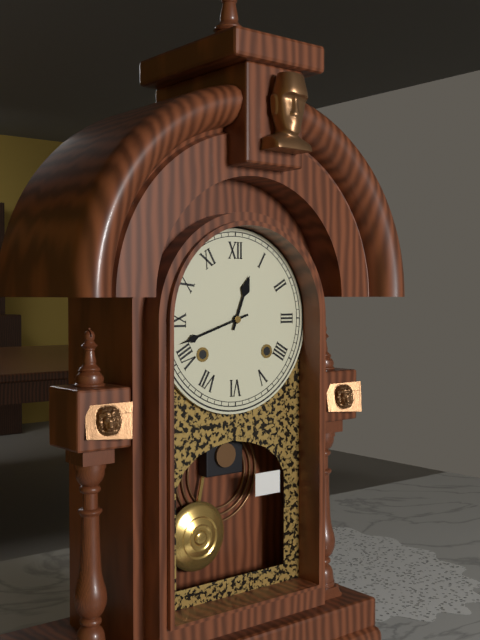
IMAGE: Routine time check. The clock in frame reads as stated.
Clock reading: 12:42
